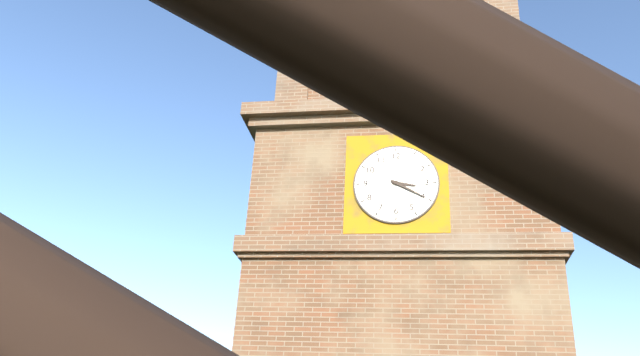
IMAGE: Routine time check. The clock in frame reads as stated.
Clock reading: 3:20
